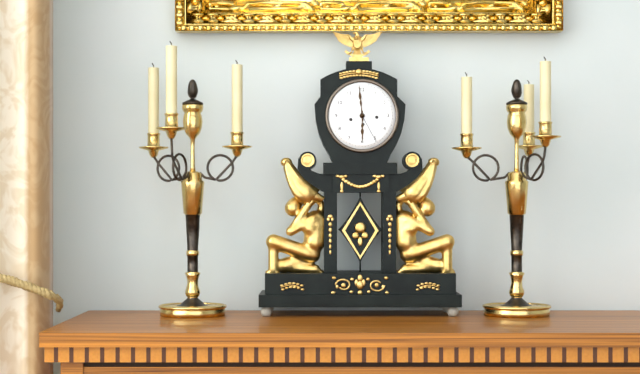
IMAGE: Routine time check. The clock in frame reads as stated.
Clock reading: 5:59
